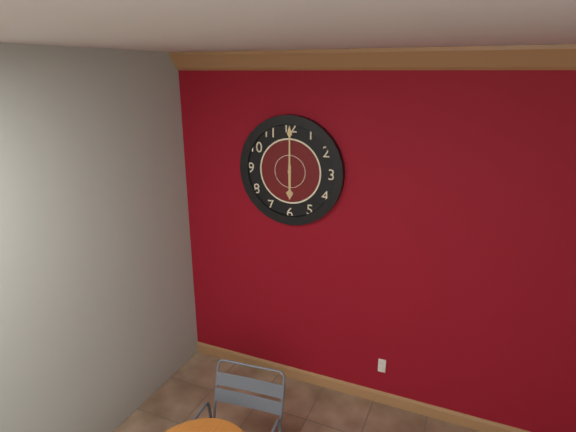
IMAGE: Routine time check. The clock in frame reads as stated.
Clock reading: 6:00
